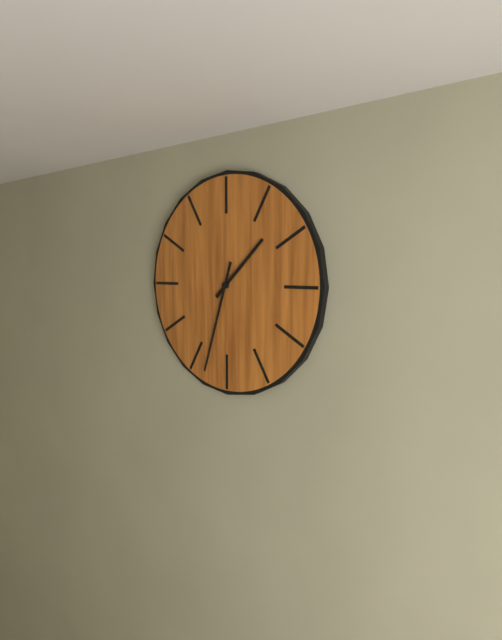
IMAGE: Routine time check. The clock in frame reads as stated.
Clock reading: 1:33
